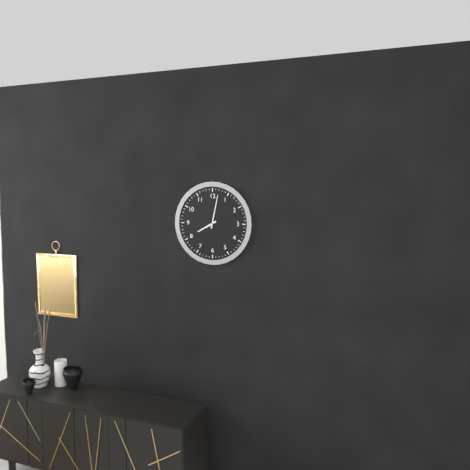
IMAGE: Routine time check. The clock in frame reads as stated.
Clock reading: 8:02
